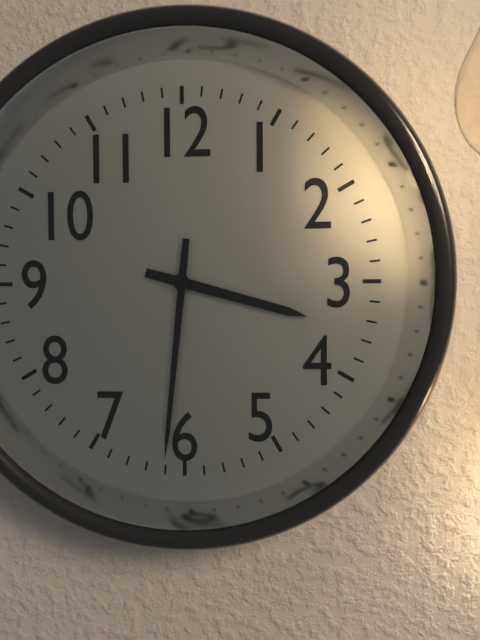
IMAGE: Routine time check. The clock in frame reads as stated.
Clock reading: 3:31
